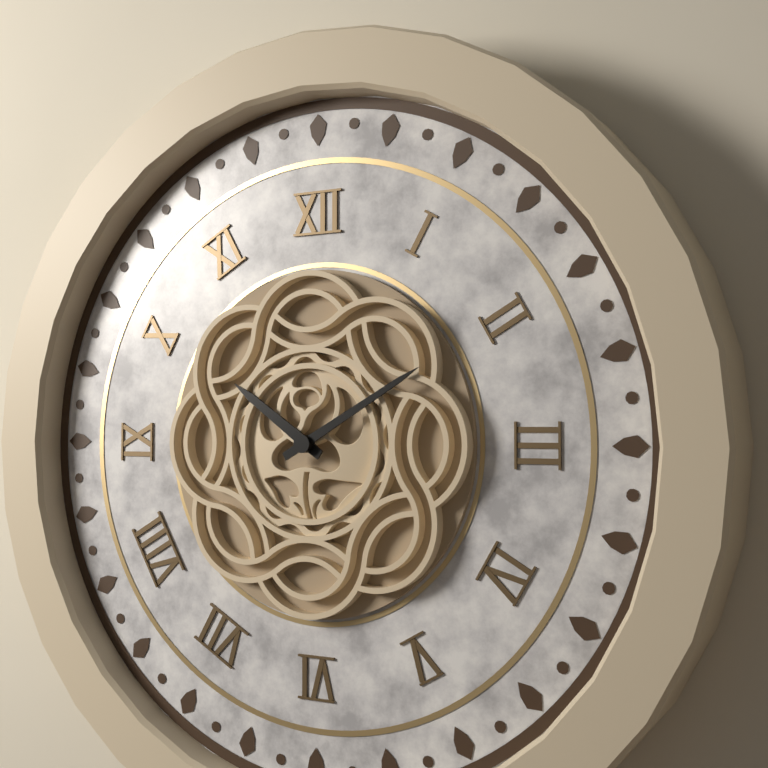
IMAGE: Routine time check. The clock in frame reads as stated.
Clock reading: 10:10
